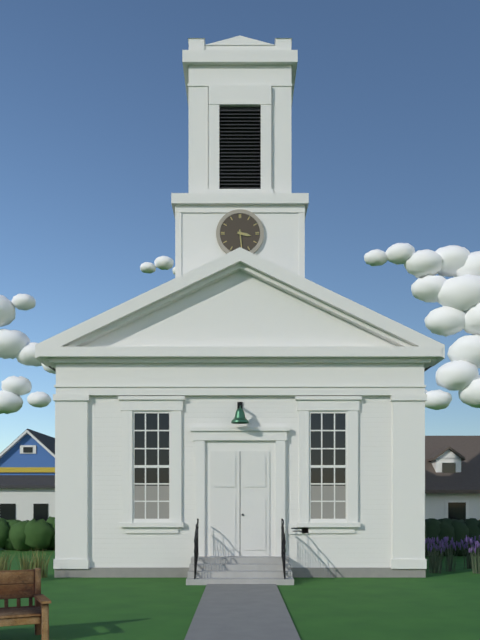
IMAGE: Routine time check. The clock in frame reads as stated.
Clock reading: 3:29
